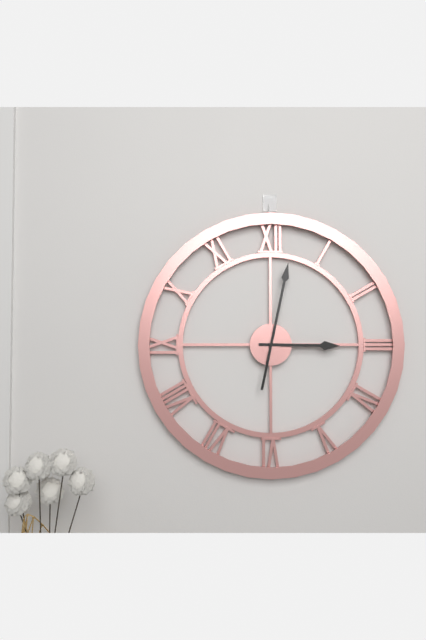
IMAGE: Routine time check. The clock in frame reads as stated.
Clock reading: 3:02
